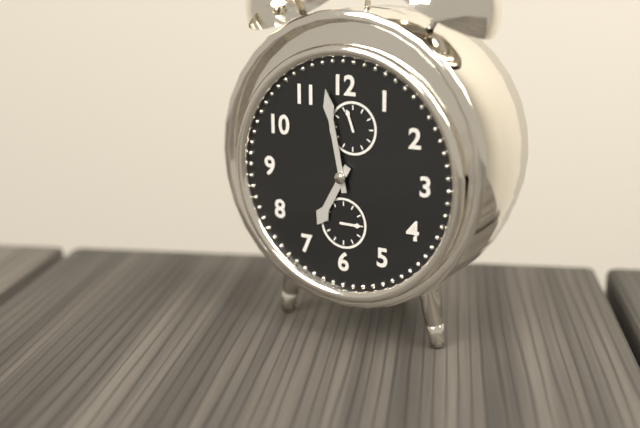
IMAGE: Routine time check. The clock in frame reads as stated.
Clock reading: 6:58
